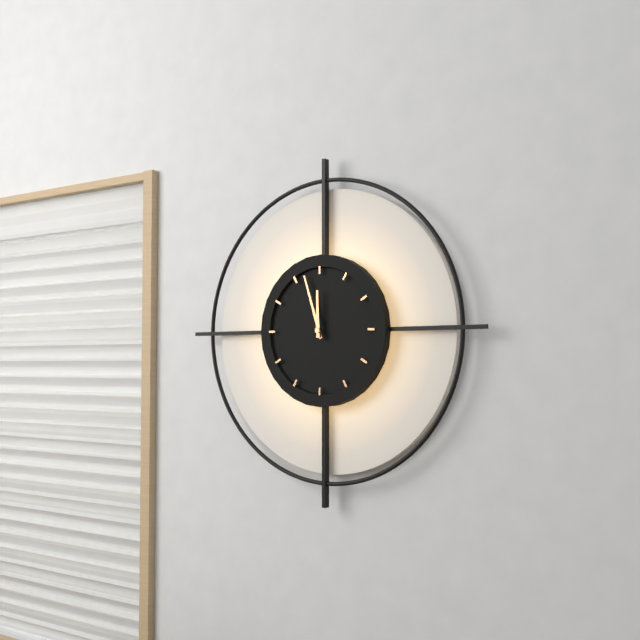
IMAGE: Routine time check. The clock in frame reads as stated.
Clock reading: 11:57
